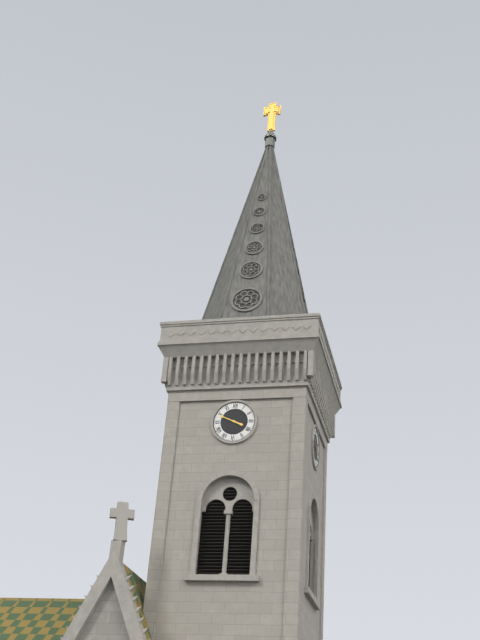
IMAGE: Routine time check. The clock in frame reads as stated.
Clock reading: 3:49
